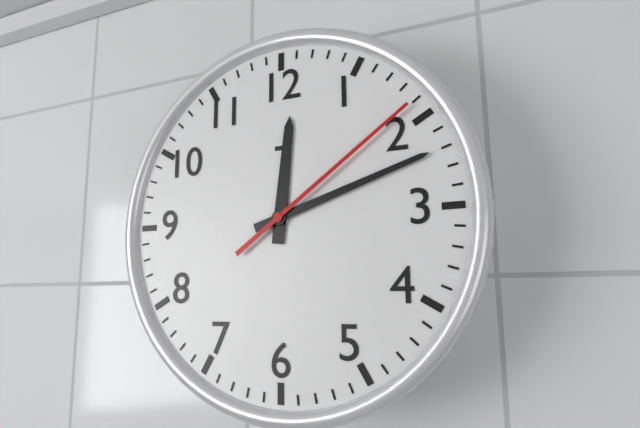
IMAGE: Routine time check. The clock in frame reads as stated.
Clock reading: 12:12:09
